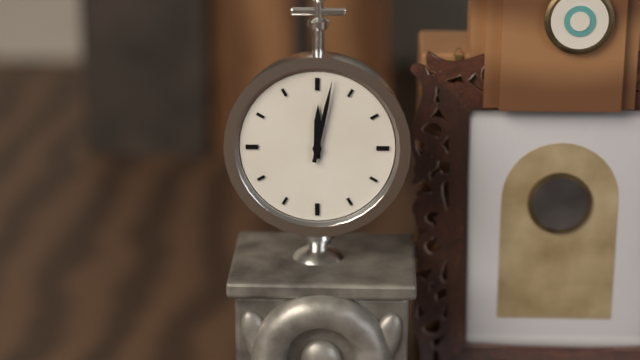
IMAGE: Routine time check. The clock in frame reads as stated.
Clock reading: 12:02
